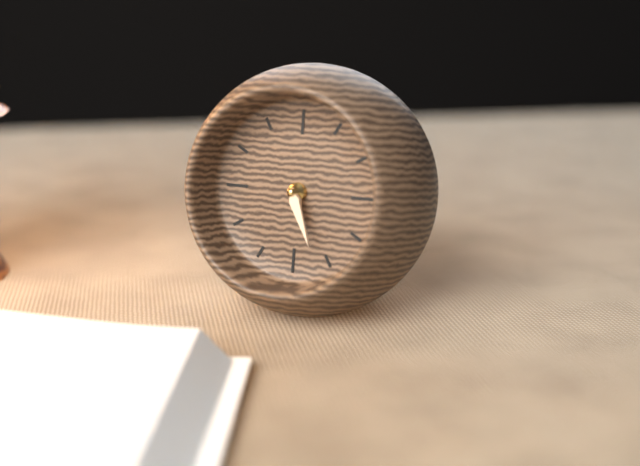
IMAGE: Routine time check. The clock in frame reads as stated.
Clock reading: 5:26
